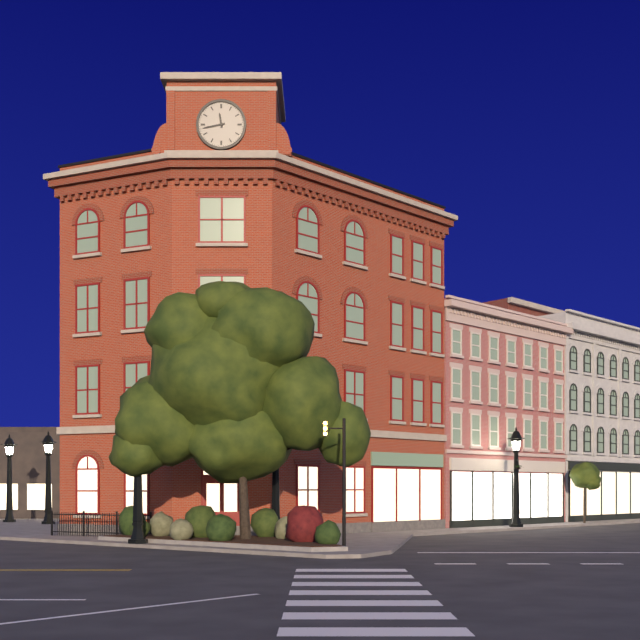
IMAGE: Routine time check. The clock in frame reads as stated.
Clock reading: 11:43
